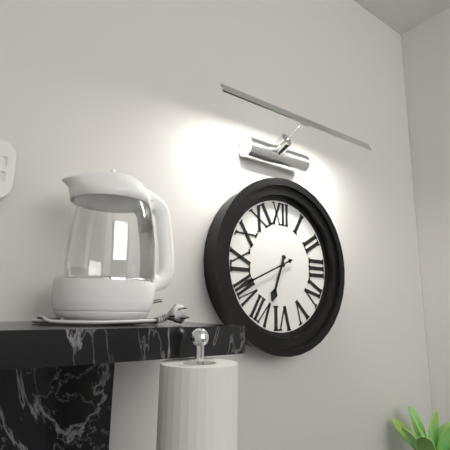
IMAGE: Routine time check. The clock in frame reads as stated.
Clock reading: 6:41
